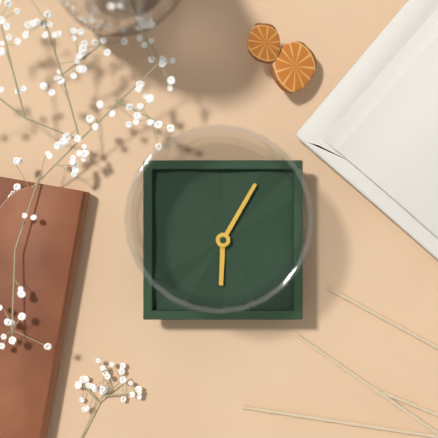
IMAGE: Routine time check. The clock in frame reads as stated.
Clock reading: 6:05
